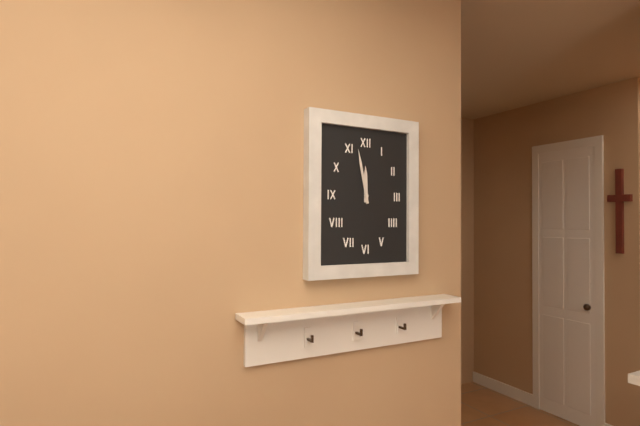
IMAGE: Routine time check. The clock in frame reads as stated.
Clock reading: 11:58
